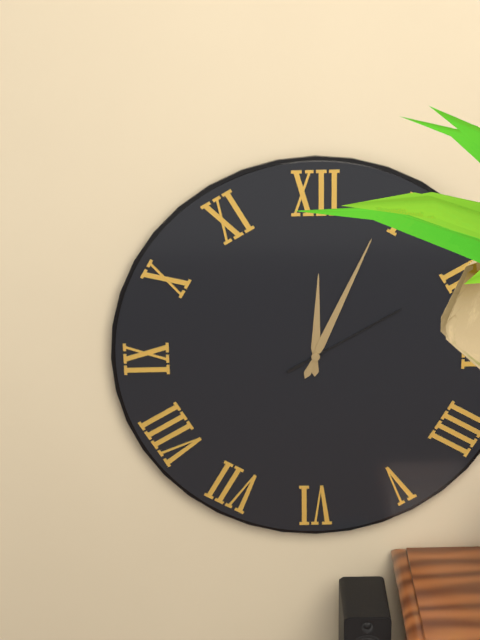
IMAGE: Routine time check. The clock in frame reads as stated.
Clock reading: 12:04:10
